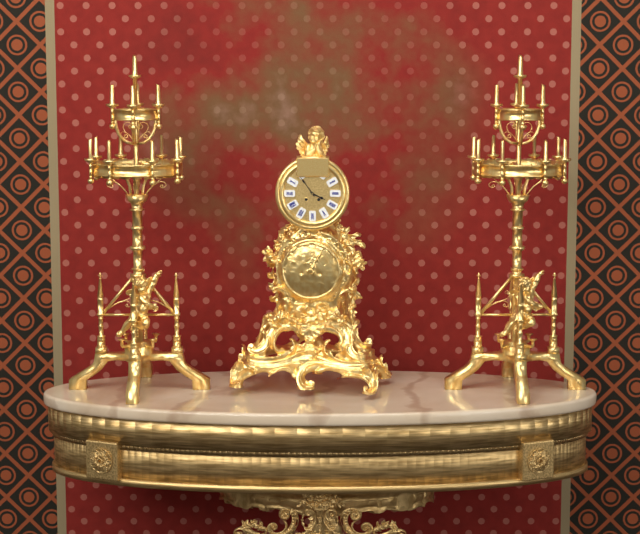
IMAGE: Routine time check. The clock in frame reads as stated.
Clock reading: 3:54
